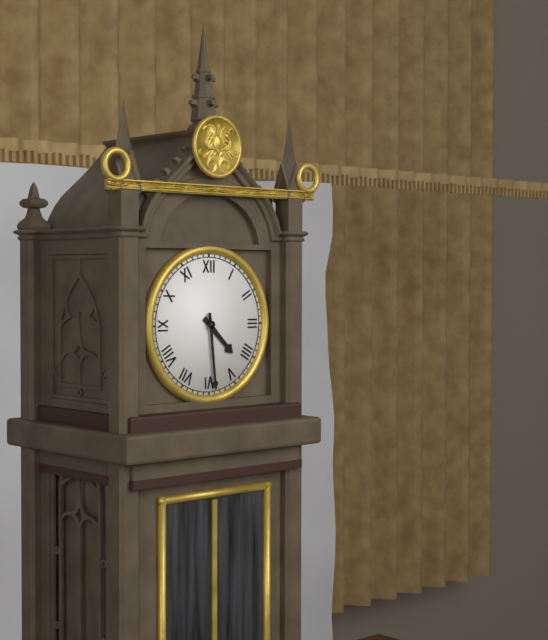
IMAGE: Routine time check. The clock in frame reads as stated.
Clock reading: 4:29
